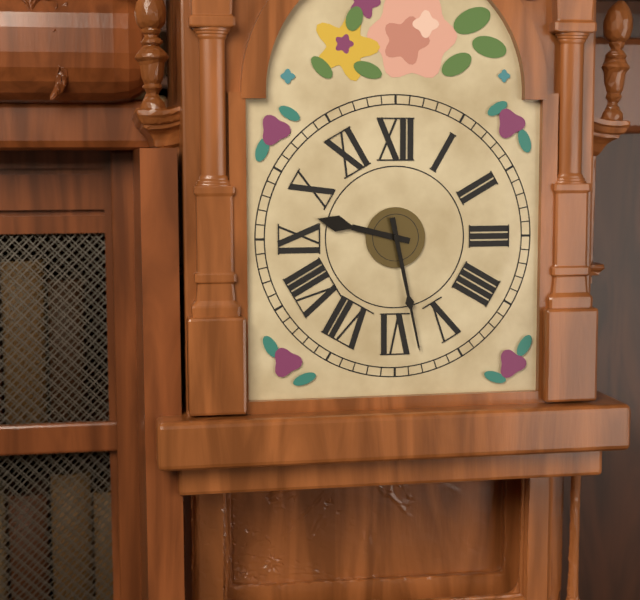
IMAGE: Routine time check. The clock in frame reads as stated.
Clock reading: 9:28
